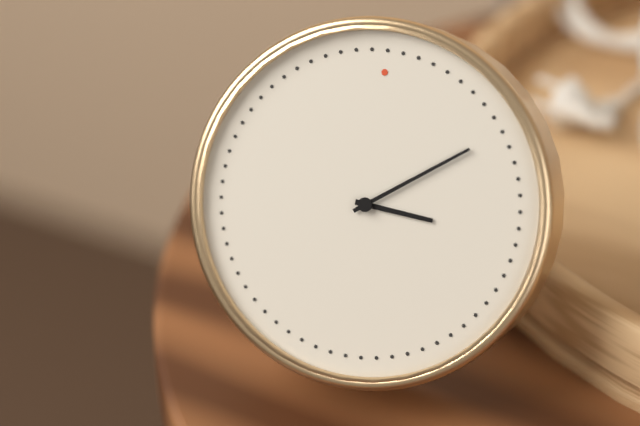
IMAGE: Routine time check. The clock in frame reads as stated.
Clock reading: 3:09
